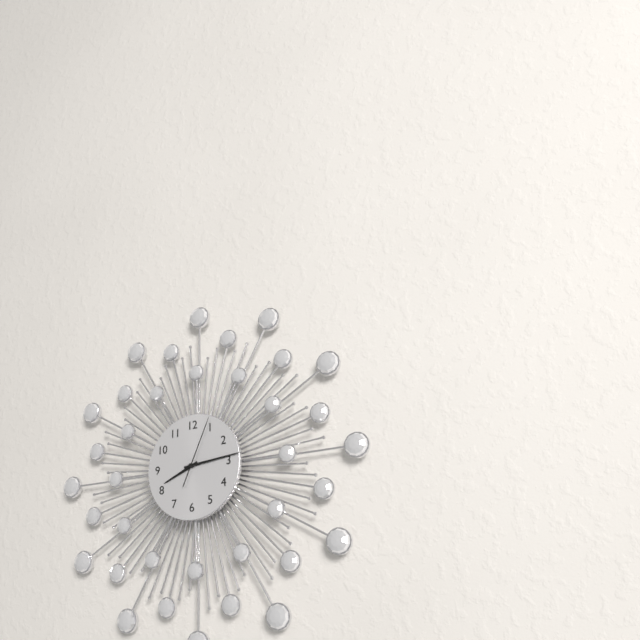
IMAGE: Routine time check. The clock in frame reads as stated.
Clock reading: 8:14:04
